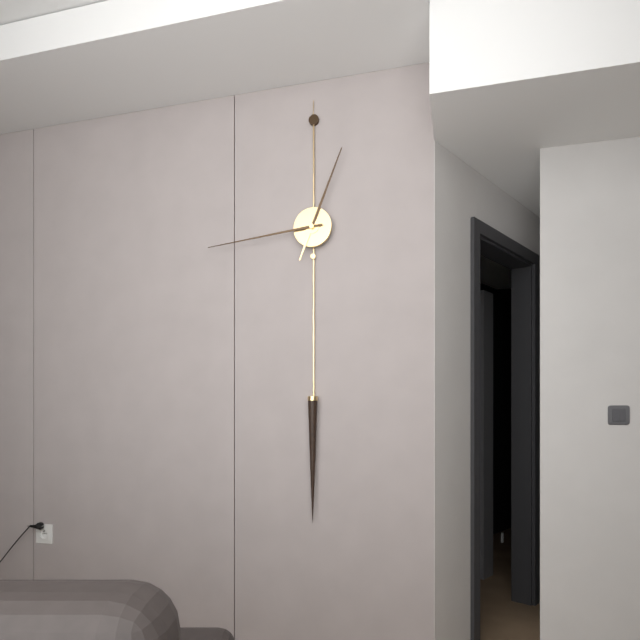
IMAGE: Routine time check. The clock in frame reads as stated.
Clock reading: 12:44
